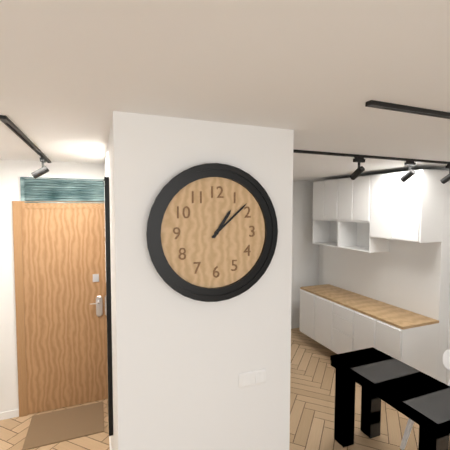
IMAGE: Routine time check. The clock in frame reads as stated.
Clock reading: 1:08
